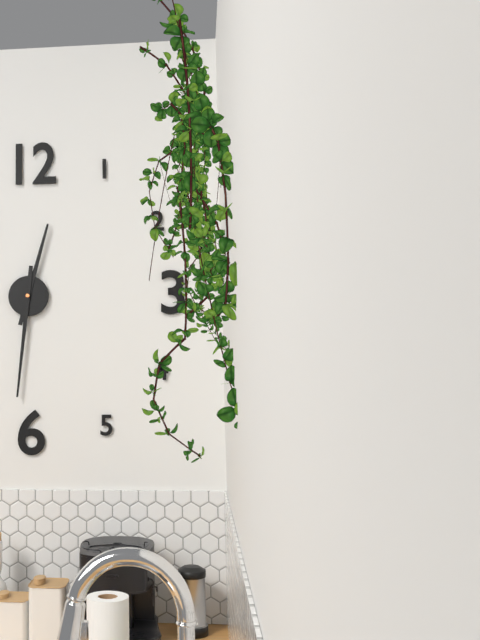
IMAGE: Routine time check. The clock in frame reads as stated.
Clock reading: 12:31
